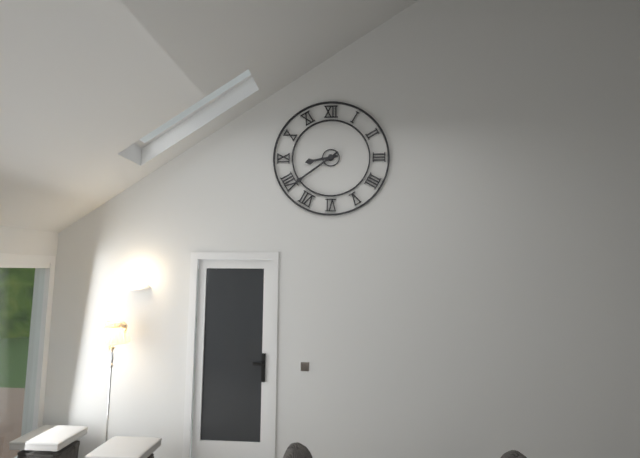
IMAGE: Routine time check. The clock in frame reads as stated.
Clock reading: 8:39
